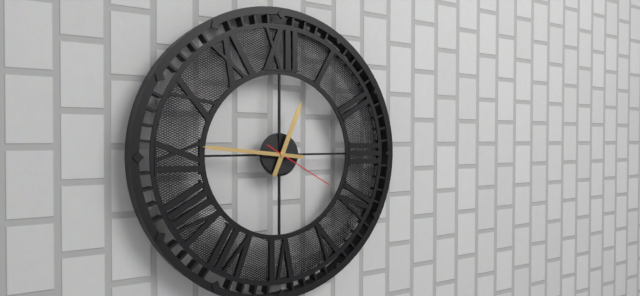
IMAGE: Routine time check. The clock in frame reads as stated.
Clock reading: 12:46:20
